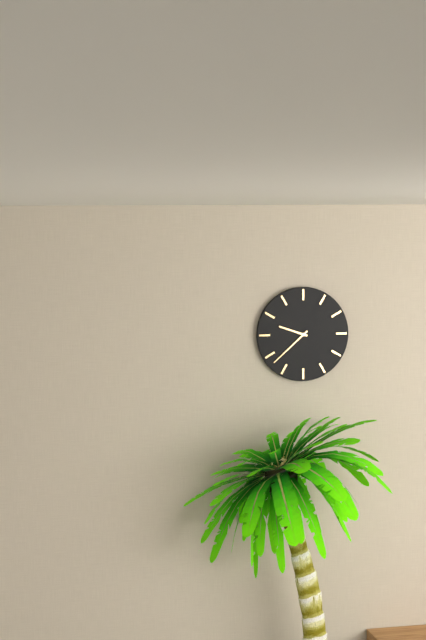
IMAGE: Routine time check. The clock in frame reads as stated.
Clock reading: 9:38
